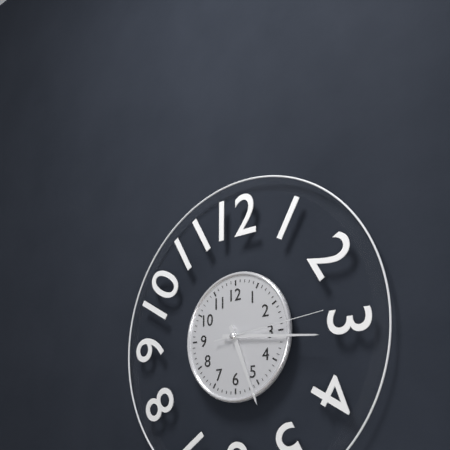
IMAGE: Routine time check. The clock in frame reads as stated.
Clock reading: 5:16:14
